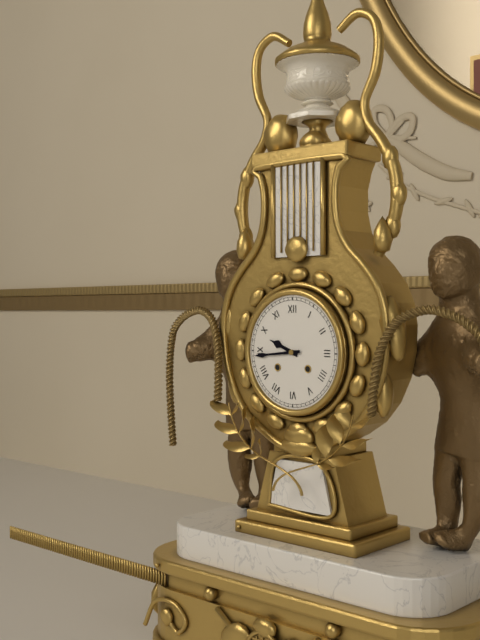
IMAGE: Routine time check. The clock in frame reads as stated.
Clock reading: 9:44
